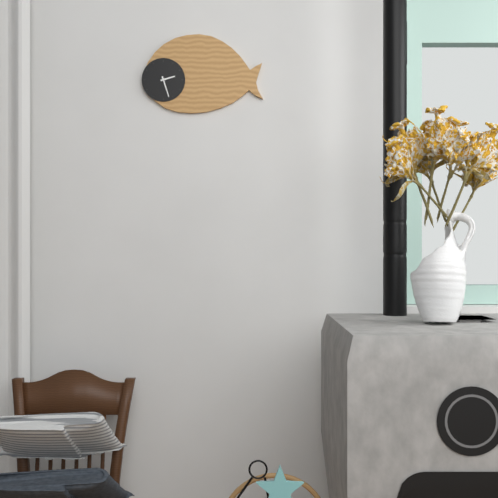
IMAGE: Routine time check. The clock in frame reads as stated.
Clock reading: 2:27
